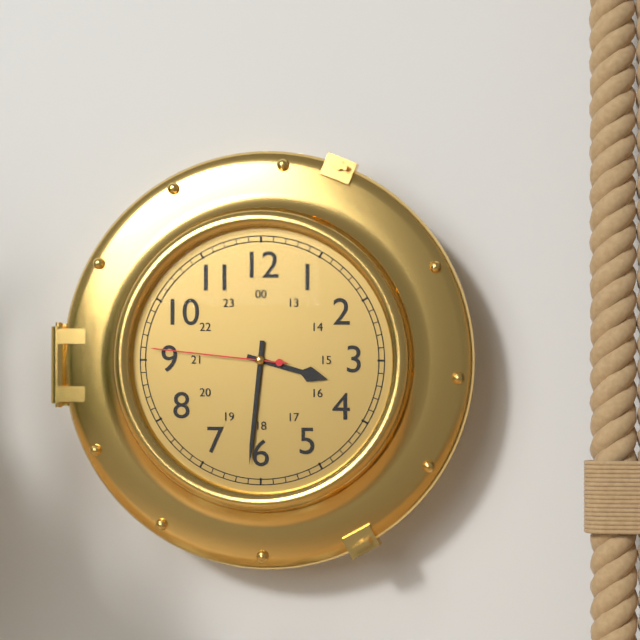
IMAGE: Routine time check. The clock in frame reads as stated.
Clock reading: 3:31:46
